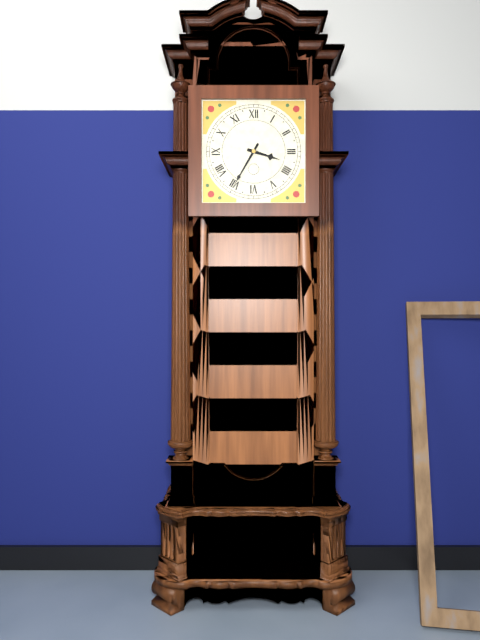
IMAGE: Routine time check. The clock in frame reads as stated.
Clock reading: 3:35
